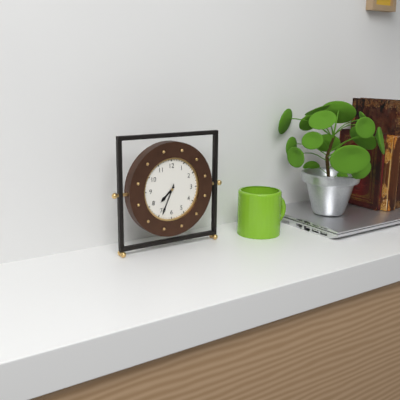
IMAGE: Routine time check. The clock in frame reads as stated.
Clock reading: 7:34
